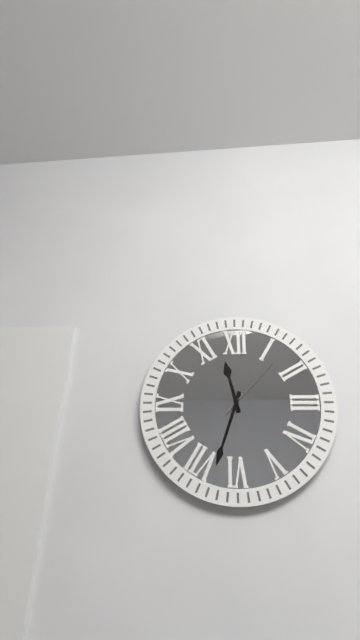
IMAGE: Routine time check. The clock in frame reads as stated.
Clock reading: 11:33:07
